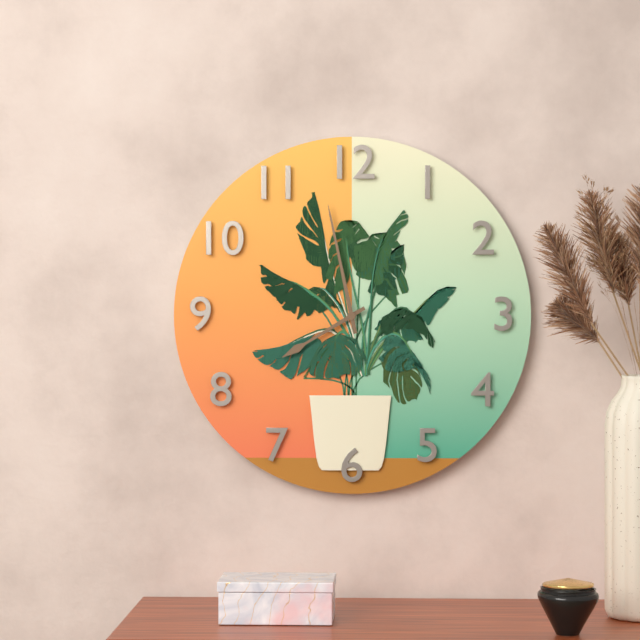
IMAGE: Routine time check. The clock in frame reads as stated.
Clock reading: 7:58
